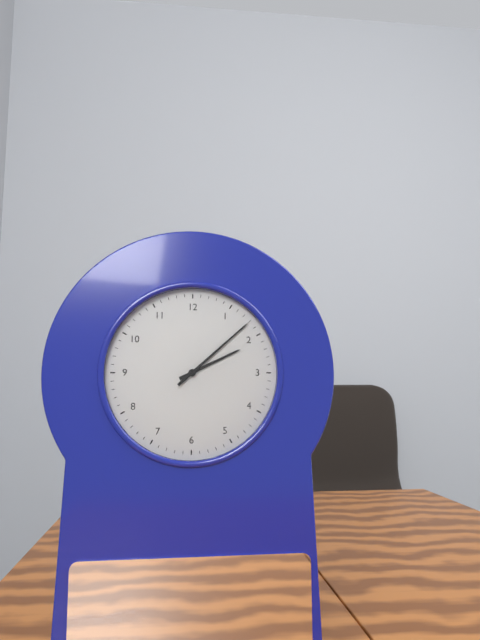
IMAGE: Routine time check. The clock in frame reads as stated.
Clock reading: 2:08
